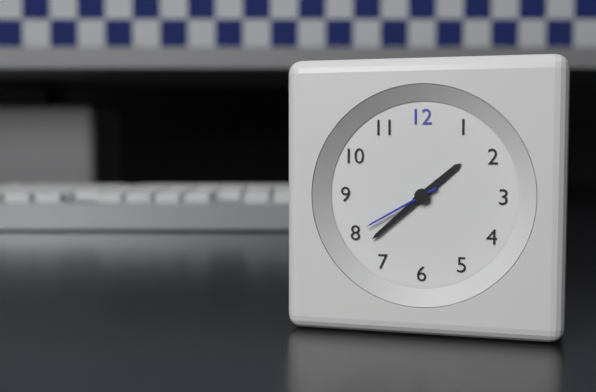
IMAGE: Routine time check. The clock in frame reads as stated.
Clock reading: 1:38:40
